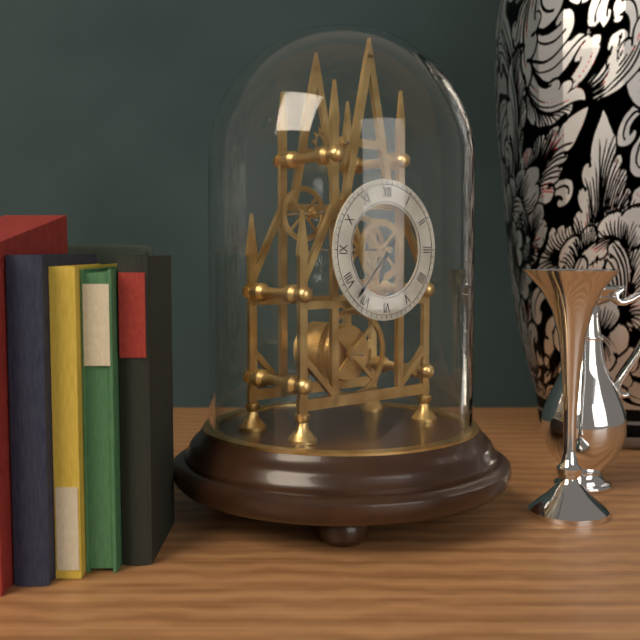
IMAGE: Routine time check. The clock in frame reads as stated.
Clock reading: 6:37
